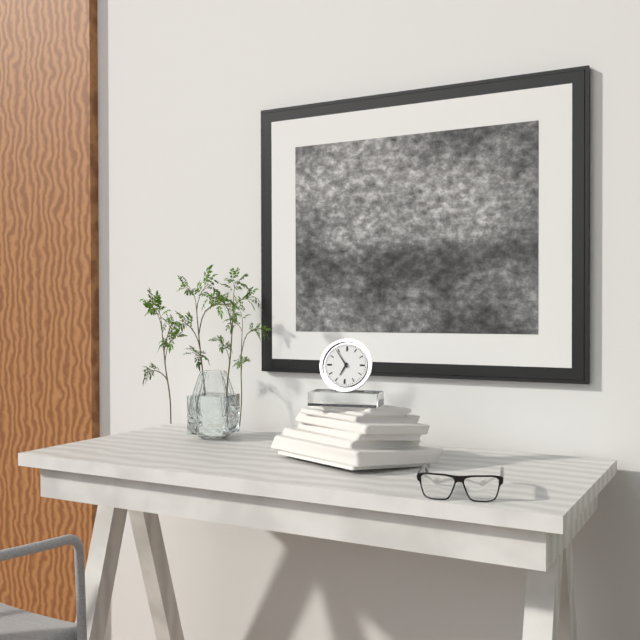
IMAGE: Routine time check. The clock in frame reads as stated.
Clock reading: 6:54
